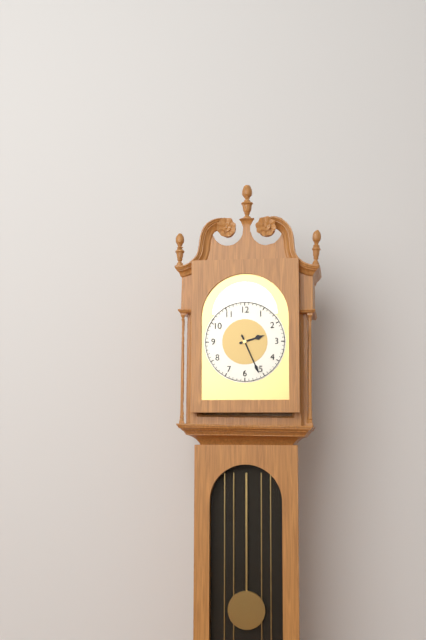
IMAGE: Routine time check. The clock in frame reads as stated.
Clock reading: 2:26
